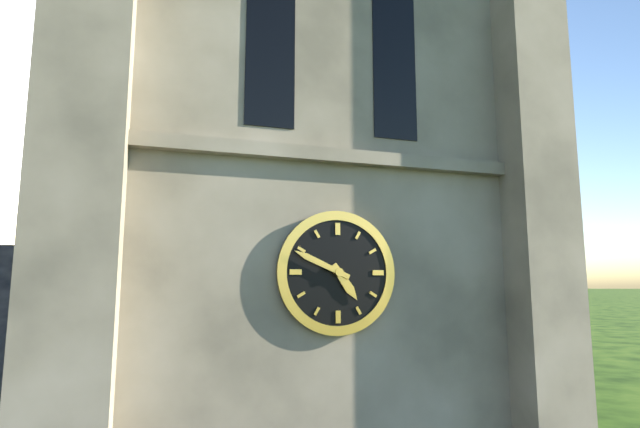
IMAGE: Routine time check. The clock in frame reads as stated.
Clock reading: 4:49
